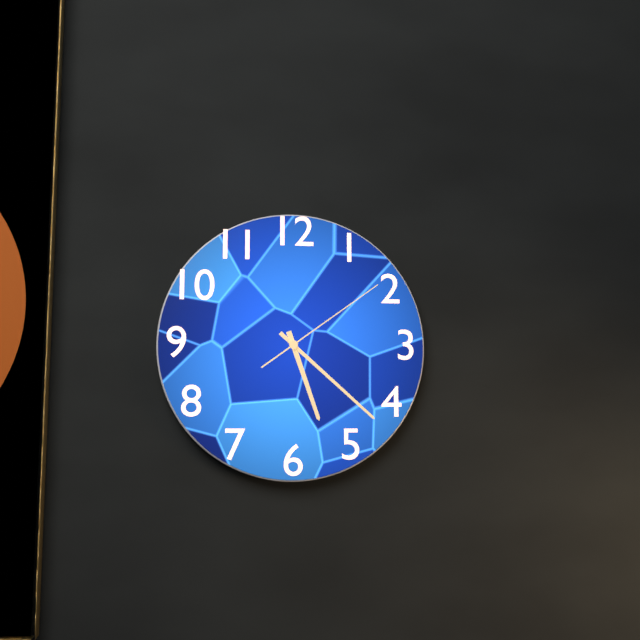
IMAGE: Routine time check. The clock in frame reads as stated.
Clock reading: 5:22:09
